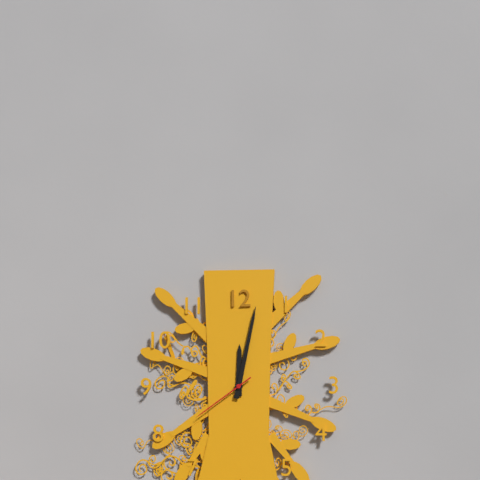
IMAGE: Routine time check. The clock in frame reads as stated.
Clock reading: 12:02:39
